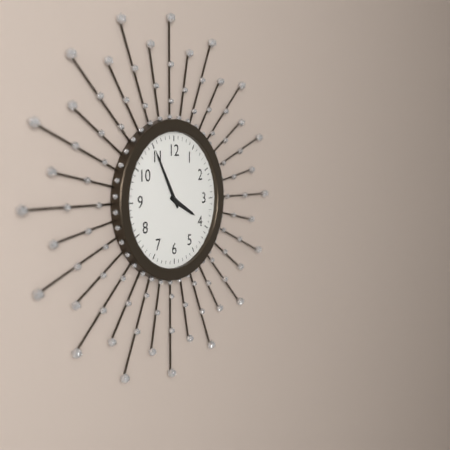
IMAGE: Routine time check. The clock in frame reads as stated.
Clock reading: 3:55
